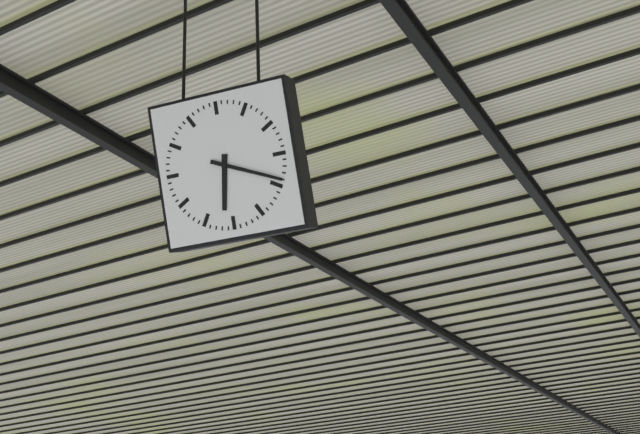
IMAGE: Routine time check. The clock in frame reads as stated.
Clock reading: 6:19
